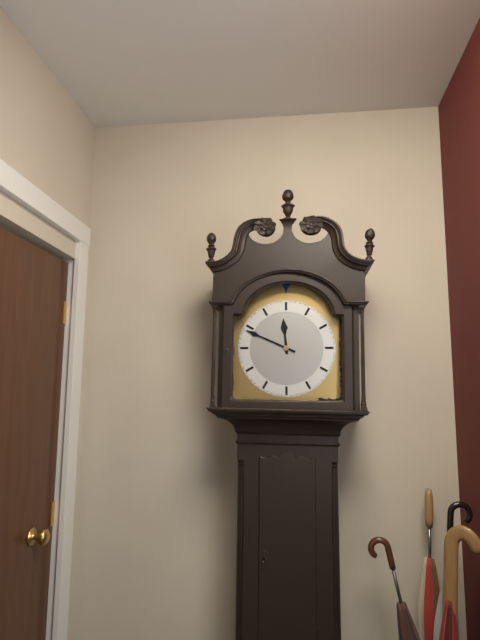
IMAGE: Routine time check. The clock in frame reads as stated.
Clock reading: 11:49
